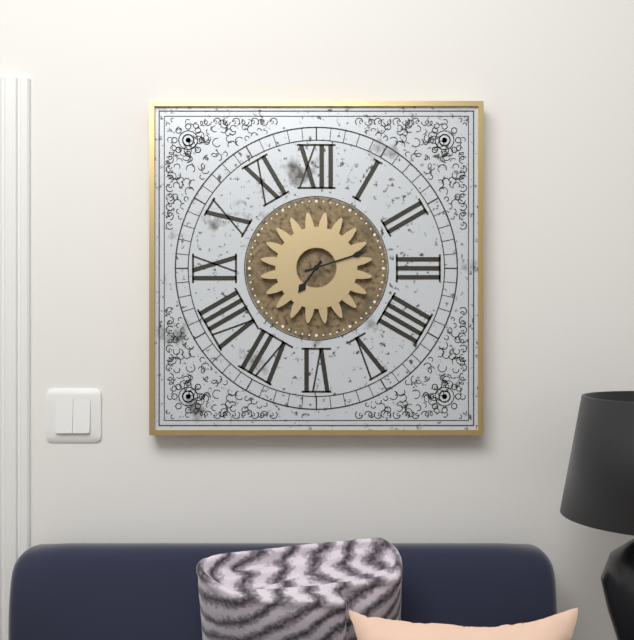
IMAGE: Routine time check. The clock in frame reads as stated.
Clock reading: 7:12
